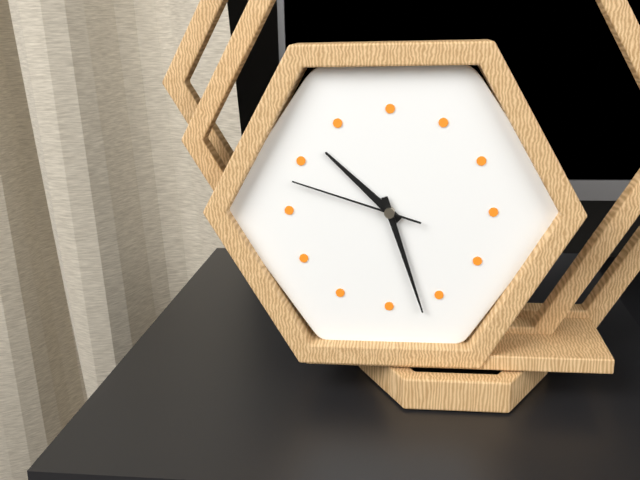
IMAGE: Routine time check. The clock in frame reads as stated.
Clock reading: 10:27:48
